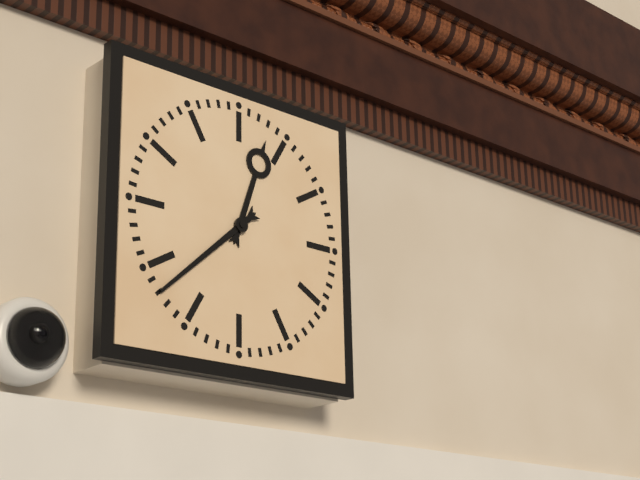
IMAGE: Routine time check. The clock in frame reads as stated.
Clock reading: 12:38
